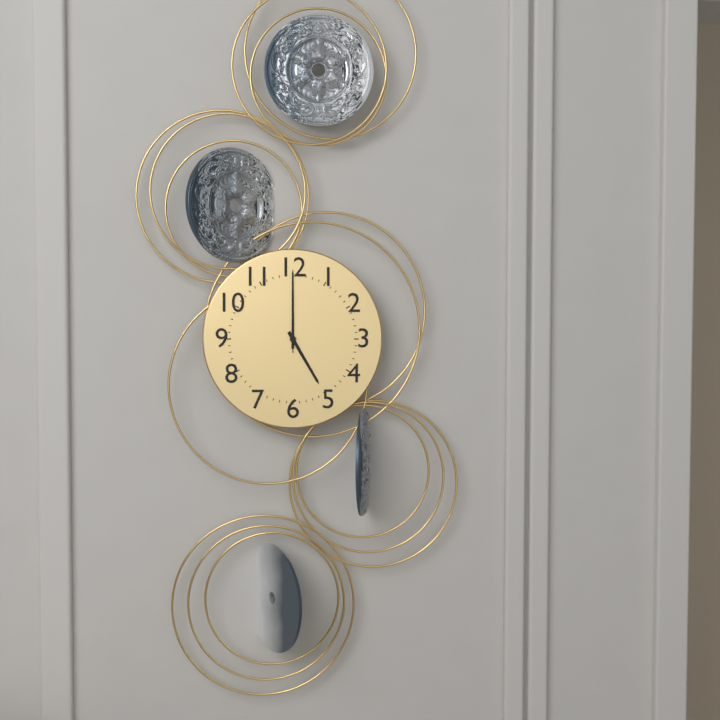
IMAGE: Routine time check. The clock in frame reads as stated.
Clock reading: 5:00:00
